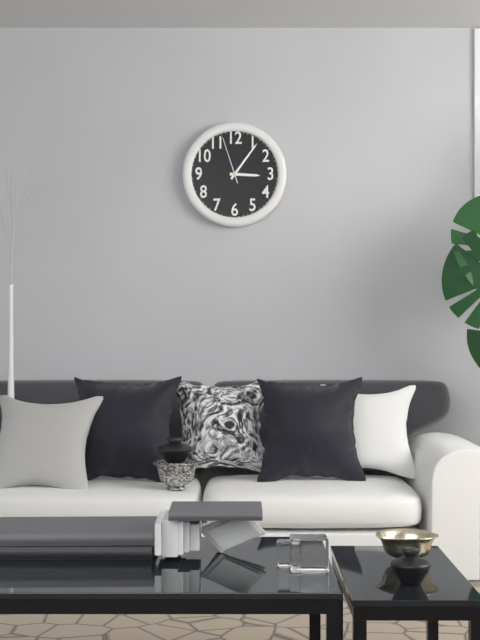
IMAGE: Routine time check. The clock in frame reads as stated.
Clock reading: 3:06:57
